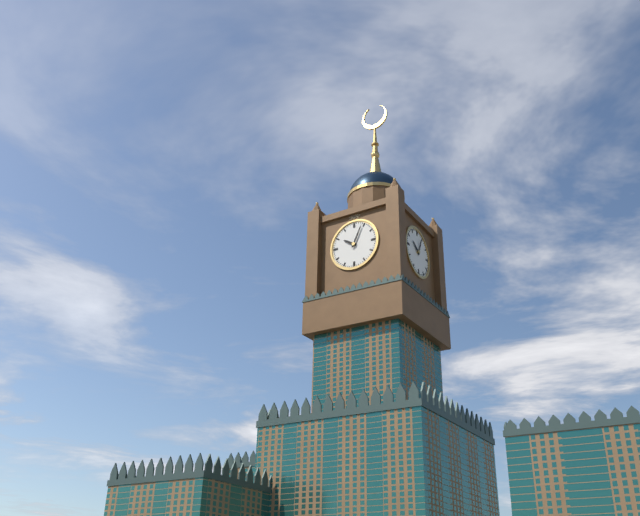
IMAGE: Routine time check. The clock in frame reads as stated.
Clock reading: 10:04
